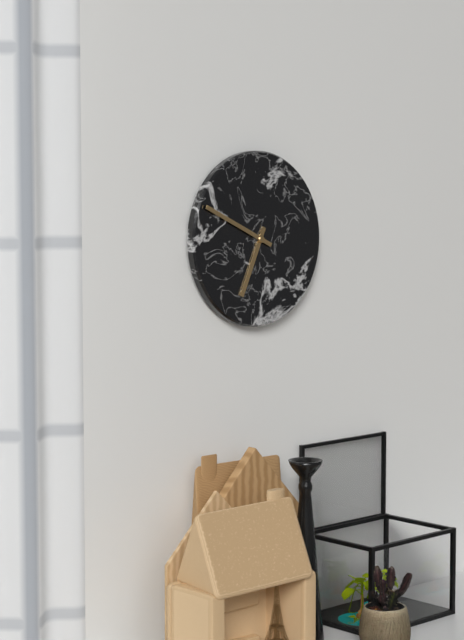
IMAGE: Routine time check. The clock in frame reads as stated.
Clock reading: 6:49
